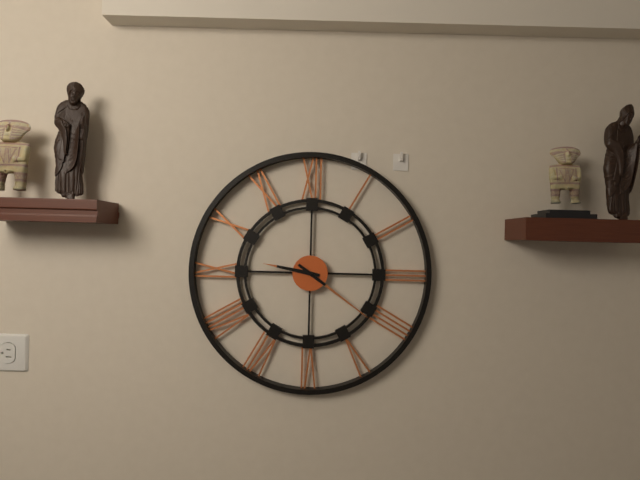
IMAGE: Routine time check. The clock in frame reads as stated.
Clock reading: 9:21
